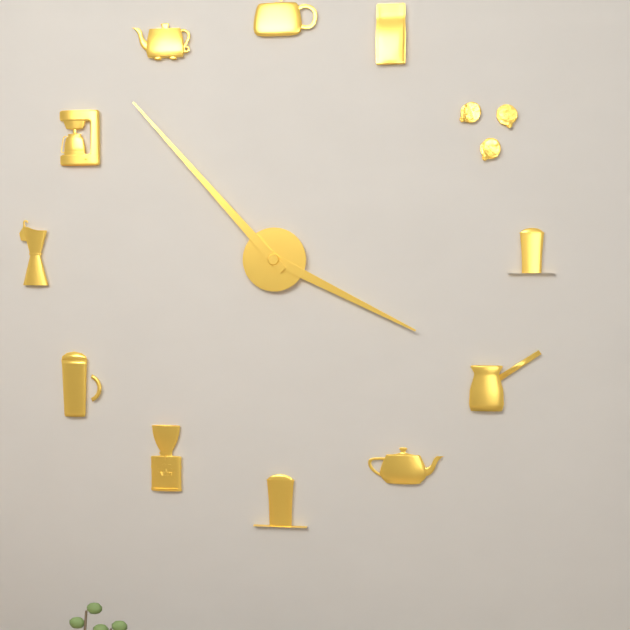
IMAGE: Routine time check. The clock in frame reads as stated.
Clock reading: 3:53
